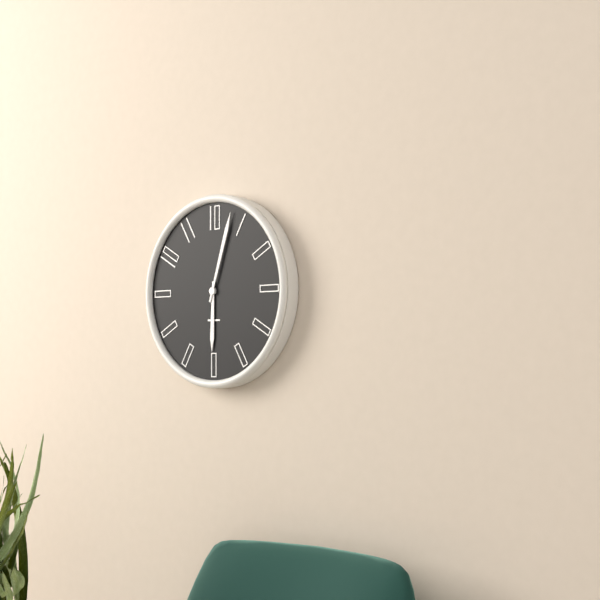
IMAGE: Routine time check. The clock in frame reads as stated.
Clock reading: 6:03
